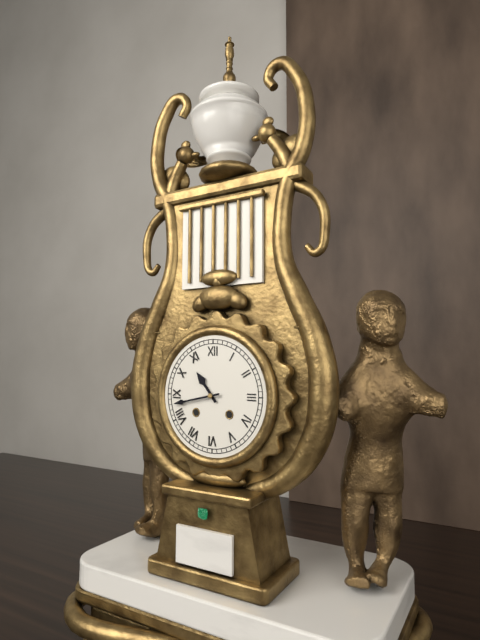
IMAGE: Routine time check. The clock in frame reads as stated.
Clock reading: 10:43
